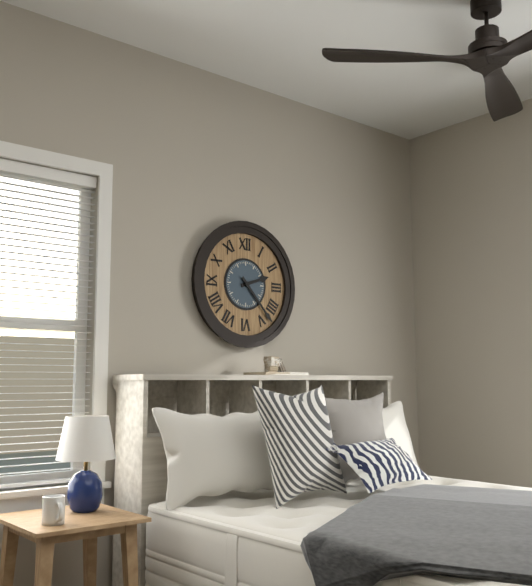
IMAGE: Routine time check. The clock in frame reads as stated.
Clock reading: 2:23
